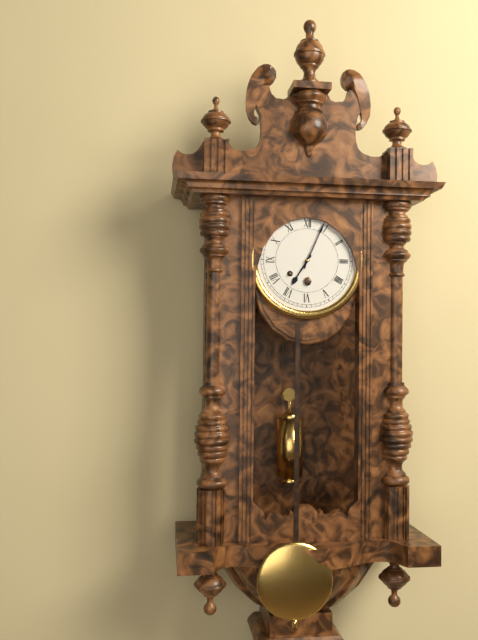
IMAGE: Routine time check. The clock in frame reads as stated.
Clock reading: 7:04
